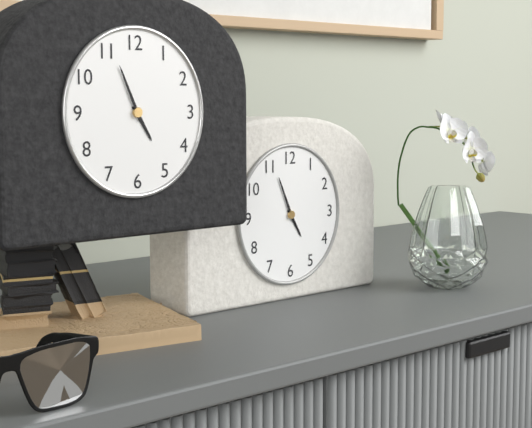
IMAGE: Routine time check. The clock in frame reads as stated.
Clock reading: 4:56
